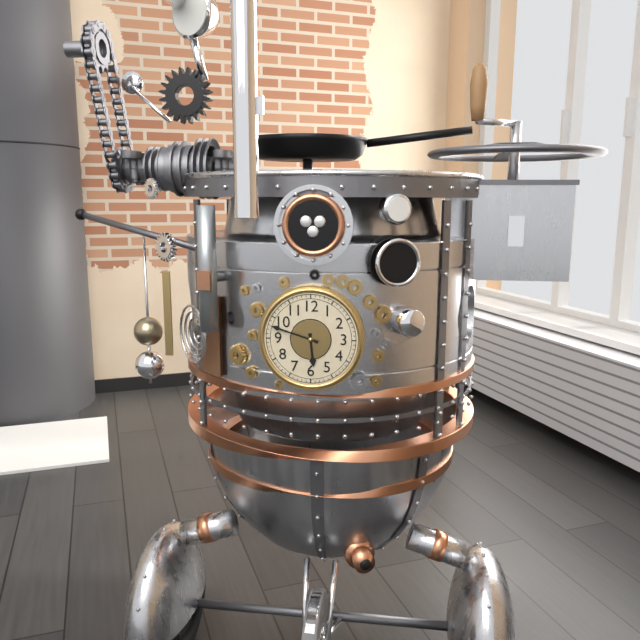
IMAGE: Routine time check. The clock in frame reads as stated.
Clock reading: 5:48
